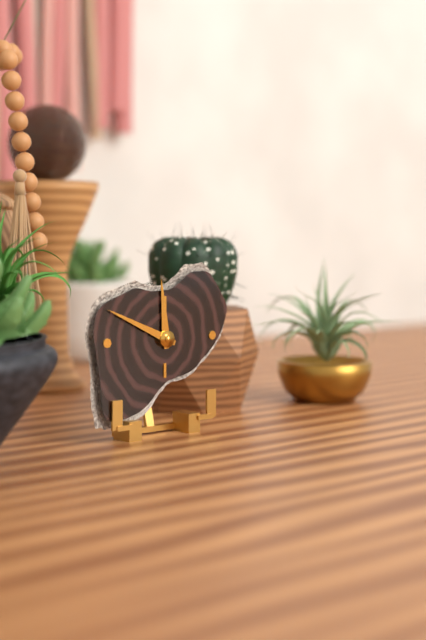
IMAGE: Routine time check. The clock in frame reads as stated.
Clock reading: 11:49
